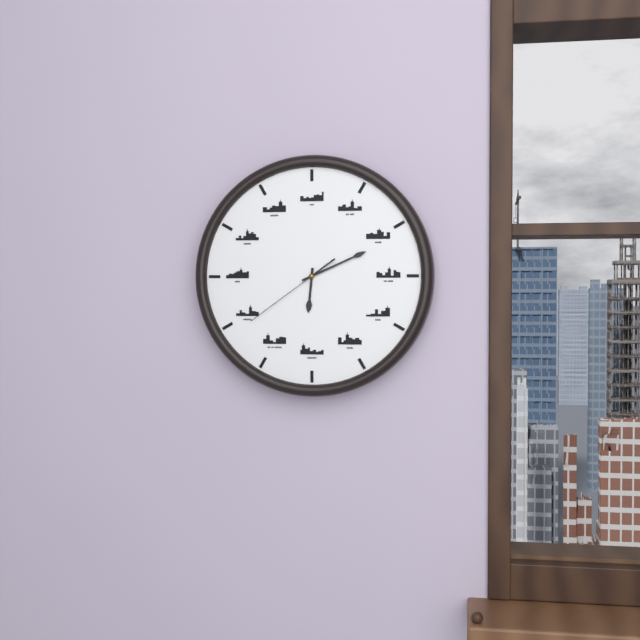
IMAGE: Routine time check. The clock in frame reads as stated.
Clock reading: 6:11:39
